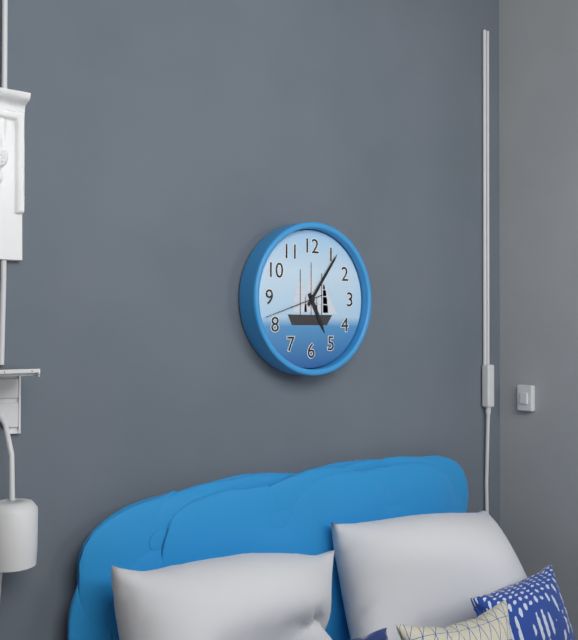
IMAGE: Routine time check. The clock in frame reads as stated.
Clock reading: 5:06:42
